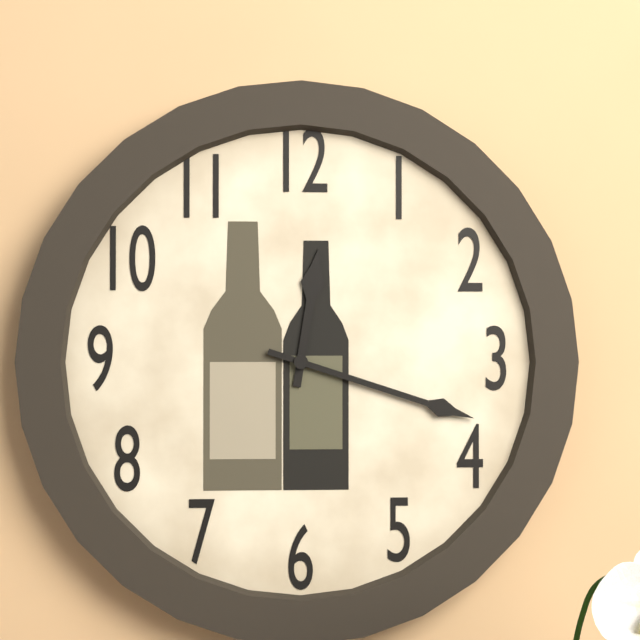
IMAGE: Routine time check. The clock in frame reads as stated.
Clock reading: 12:18
